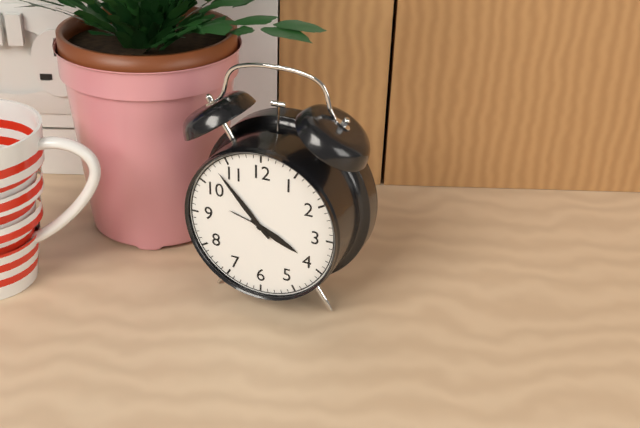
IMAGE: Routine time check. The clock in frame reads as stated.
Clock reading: 3:53
